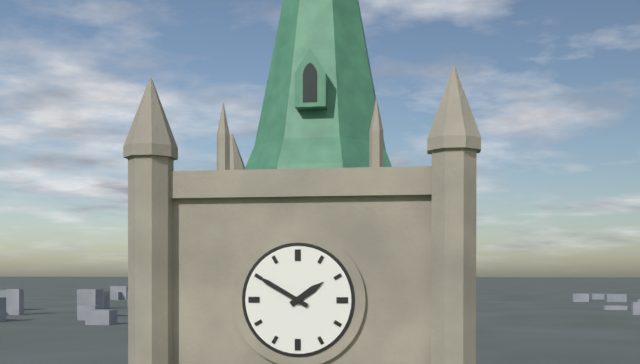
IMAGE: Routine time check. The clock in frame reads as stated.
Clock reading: 1:50
